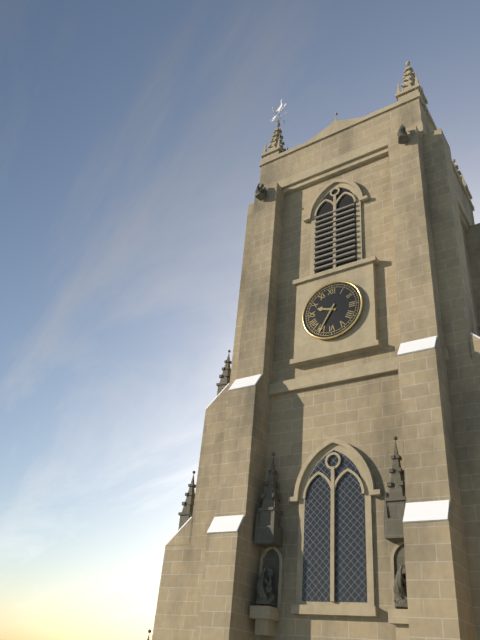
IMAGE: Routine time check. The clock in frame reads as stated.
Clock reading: 9:35
